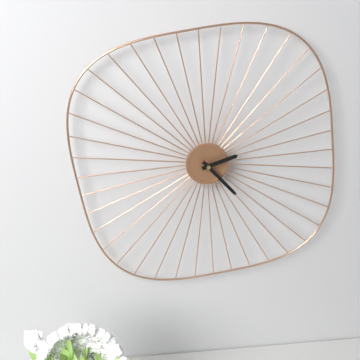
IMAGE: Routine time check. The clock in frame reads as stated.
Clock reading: 2:23
